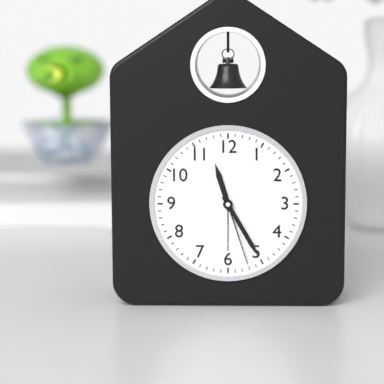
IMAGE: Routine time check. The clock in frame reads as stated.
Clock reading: 11:25:27
